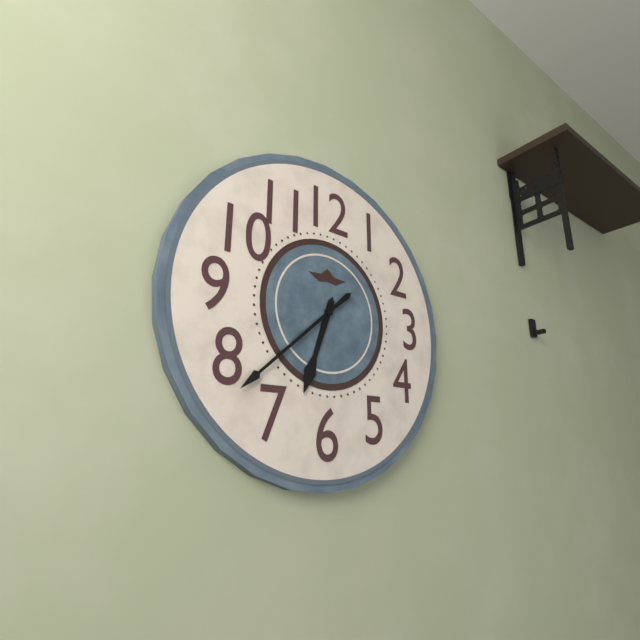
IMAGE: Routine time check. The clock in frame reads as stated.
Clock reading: 6:38
